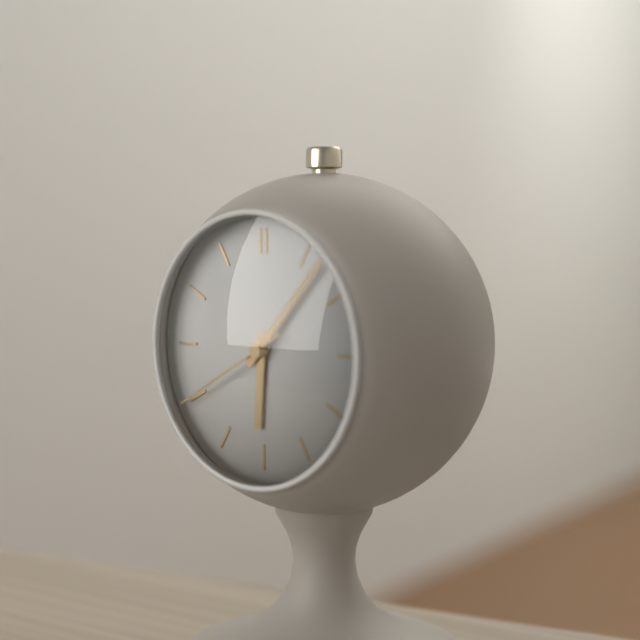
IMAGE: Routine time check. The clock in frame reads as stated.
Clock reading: 6:07:40
